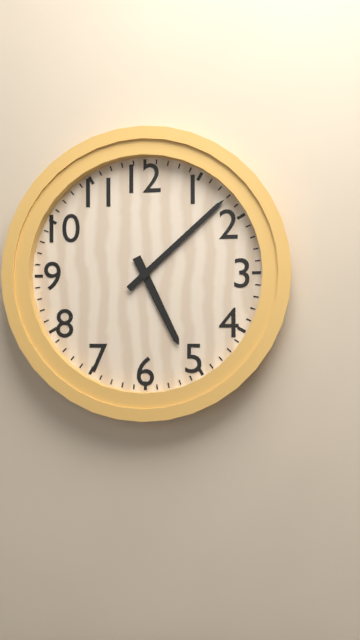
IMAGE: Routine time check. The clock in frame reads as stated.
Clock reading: 5:08
